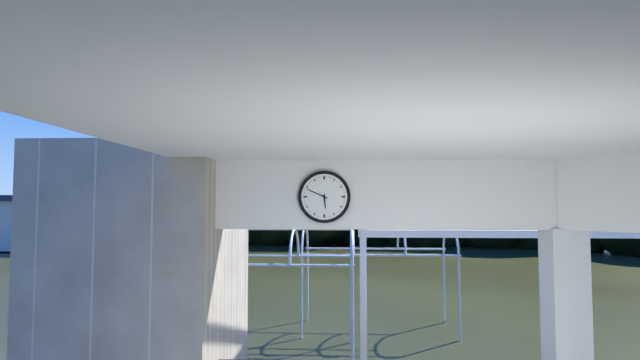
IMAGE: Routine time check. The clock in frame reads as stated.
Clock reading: 5:49
